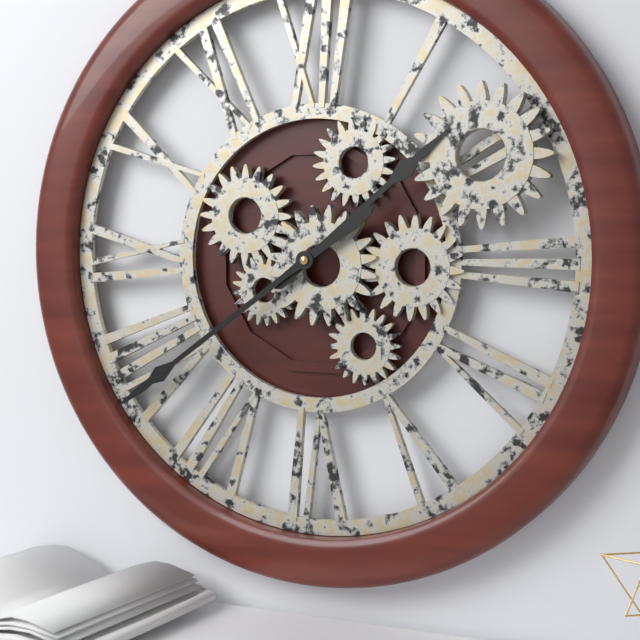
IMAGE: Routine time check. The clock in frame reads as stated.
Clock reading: 1:39
